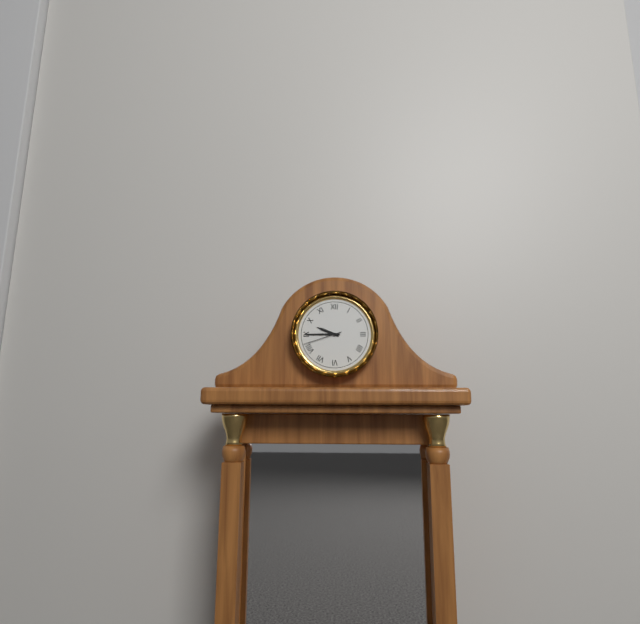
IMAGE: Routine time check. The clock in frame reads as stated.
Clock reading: 9:45
